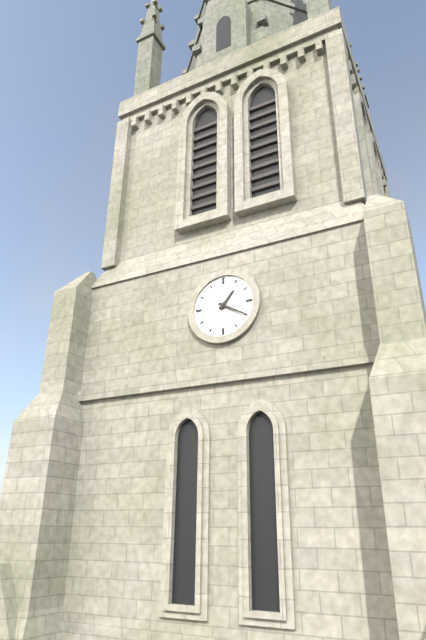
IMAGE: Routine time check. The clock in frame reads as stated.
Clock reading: 1:20
